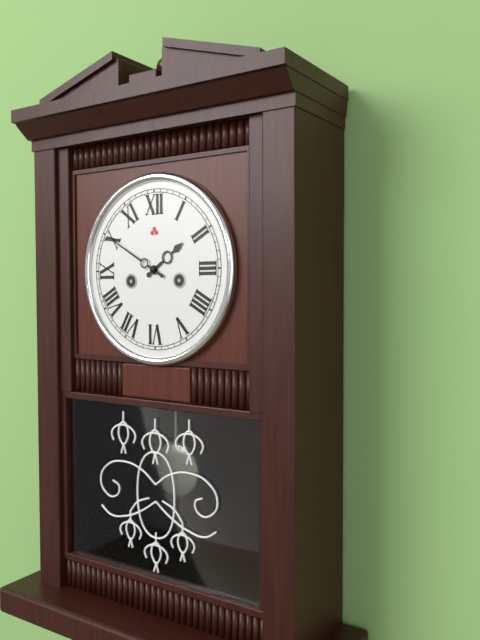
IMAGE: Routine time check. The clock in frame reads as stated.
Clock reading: 1:50
